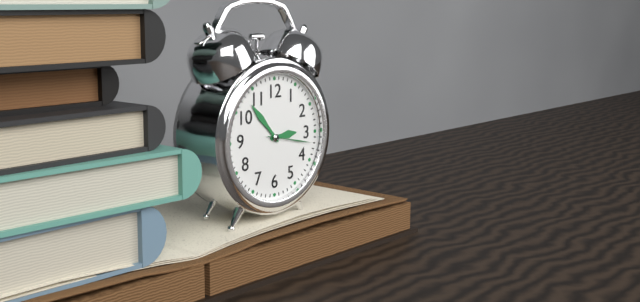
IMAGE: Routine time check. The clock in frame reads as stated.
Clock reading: 2:53
